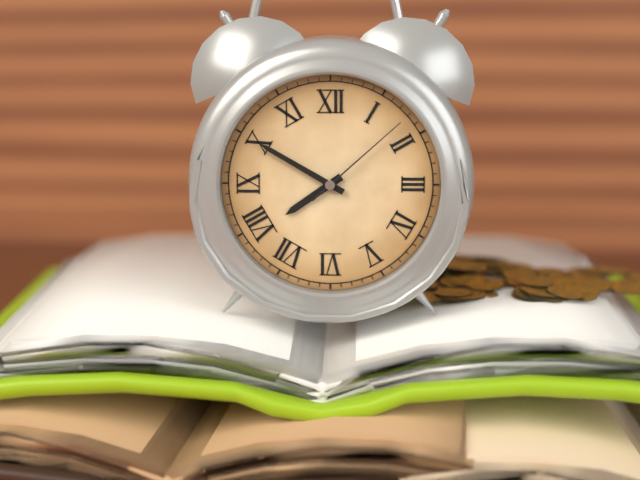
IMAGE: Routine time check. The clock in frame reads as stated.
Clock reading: 7:50:08
